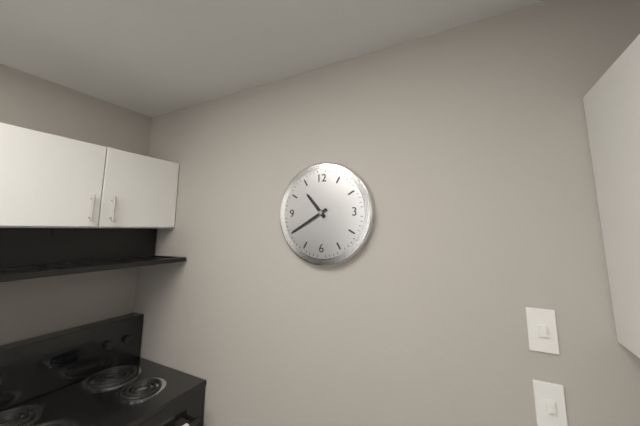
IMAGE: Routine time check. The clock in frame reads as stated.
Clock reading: 10:40
